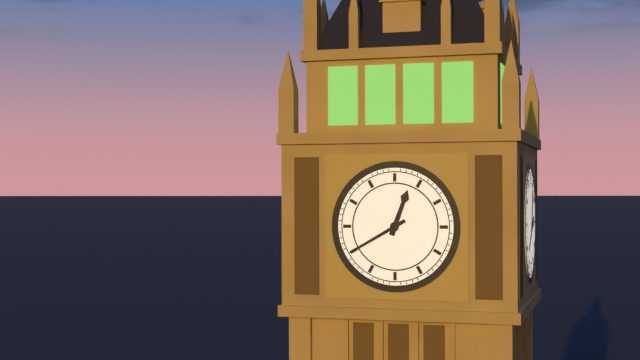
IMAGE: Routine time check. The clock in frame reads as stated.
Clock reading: 12:40
